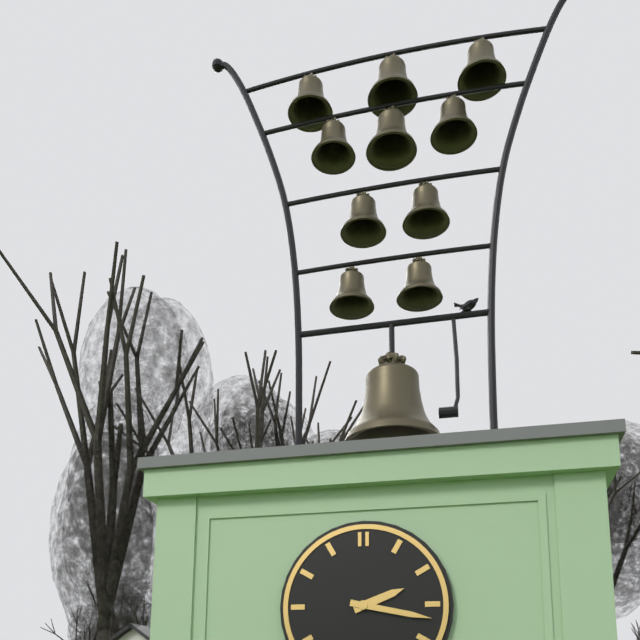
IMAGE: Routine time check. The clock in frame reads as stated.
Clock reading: 2:17
